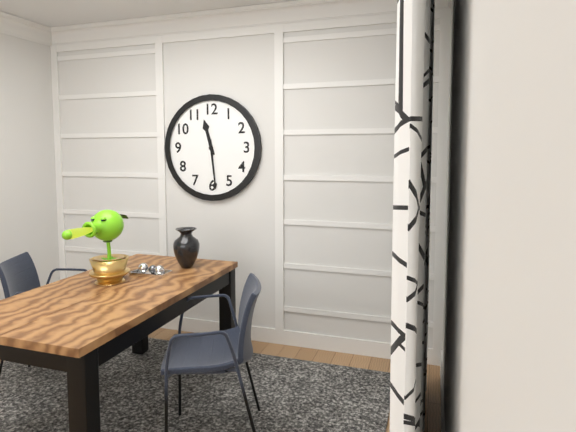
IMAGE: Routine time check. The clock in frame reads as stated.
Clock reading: 11:29
